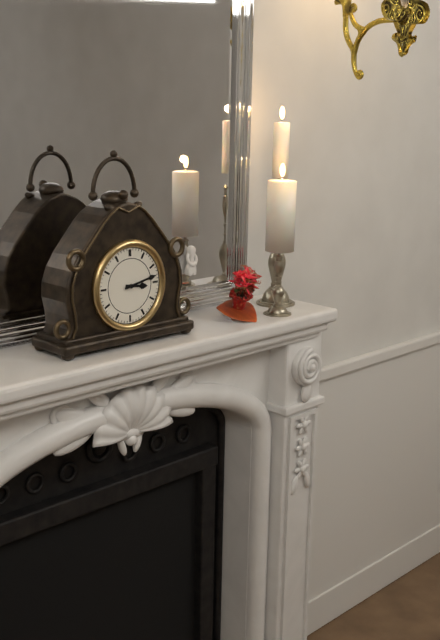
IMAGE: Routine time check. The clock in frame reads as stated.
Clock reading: 3:13
